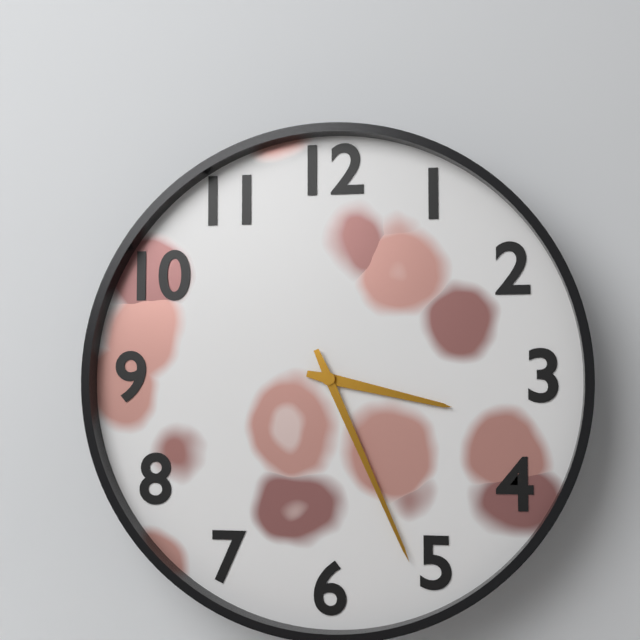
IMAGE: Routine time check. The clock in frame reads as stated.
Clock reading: 3:26
